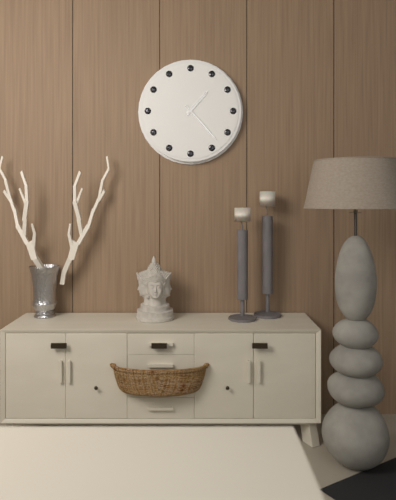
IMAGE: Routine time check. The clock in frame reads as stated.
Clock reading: 1:23
